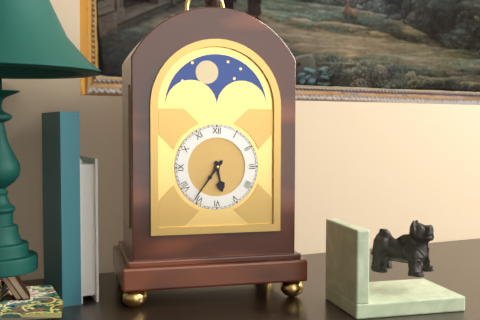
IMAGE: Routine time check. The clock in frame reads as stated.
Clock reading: 5:36
